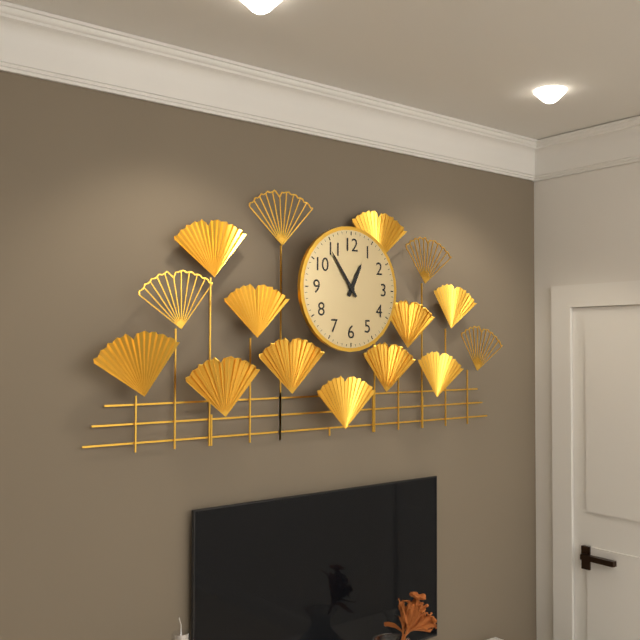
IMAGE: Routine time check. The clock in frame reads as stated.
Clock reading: 12:54
